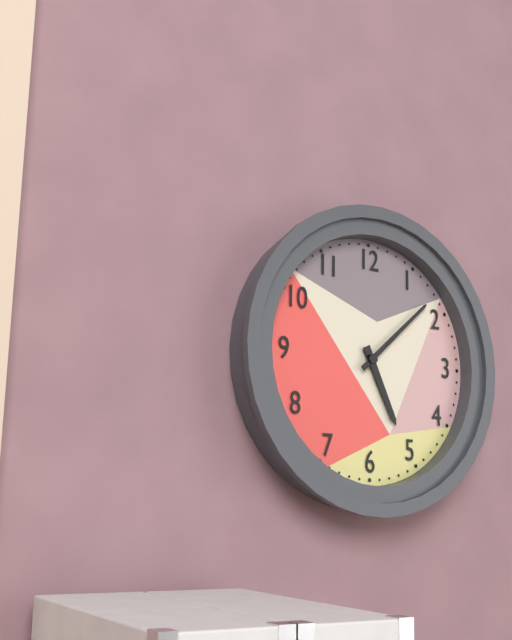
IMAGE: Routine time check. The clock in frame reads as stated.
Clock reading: 5:08
